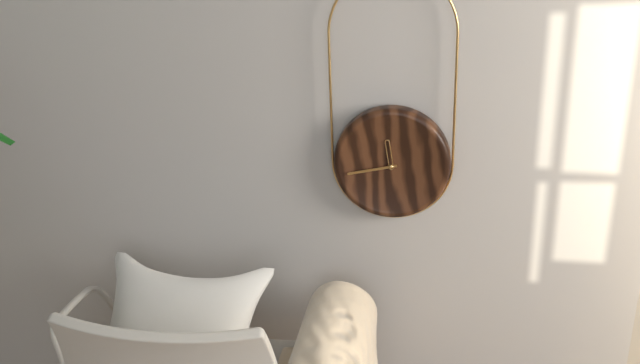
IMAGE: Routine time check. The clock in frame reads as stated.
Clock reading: 11:43
